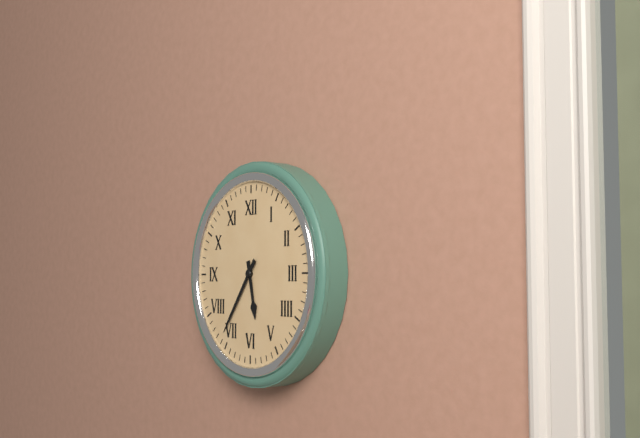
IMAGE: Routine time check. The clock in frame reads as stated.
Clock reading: 5:36
